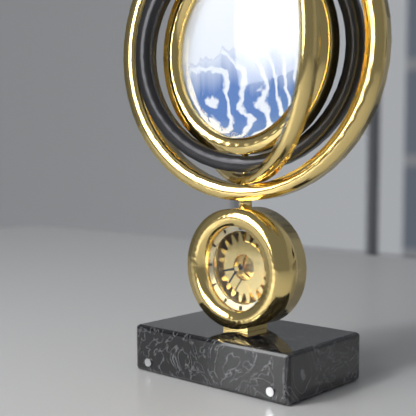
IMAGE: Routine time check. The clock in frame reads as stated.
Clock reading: 8:36
